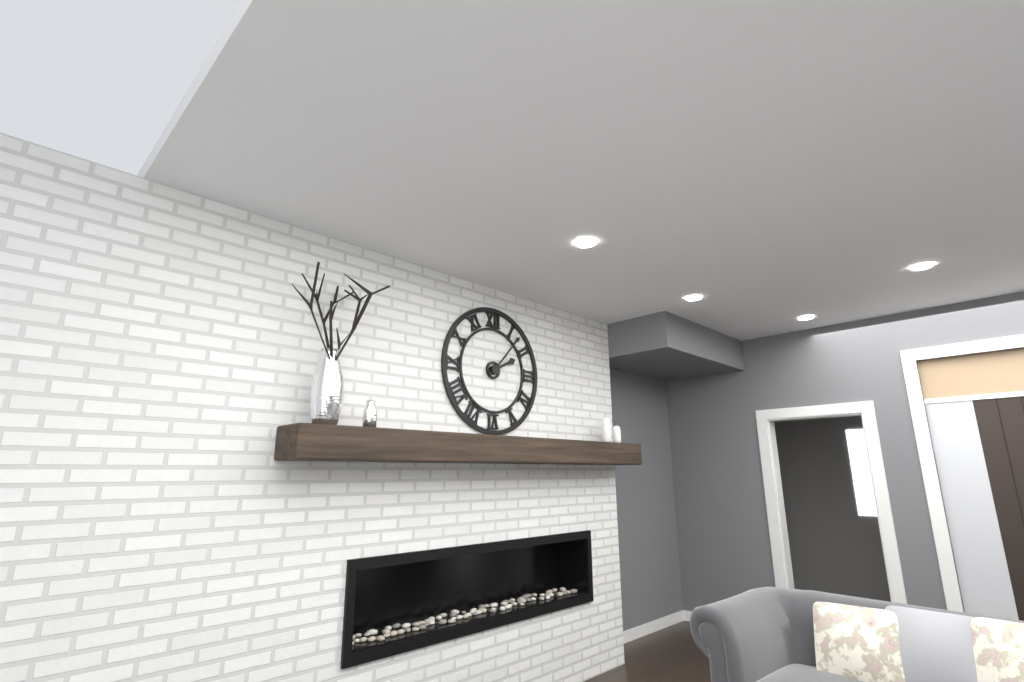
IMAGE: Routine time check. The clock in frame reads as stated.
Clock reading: 2:07
